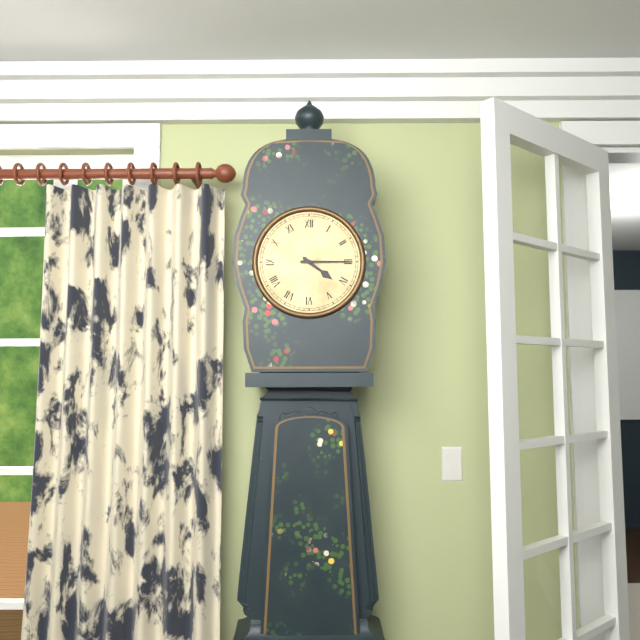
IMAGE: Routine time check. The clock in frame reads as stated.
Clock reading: 4:15
